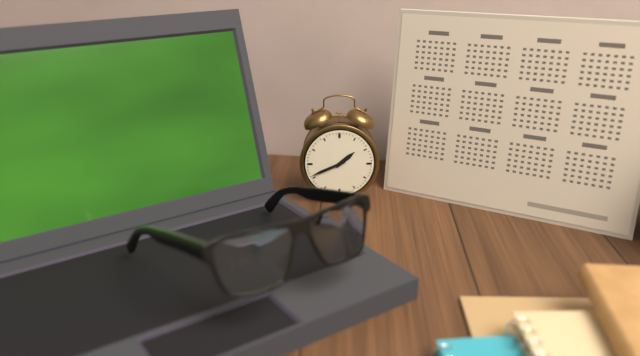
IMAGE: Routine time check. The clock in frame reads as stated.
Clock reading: 1:41
